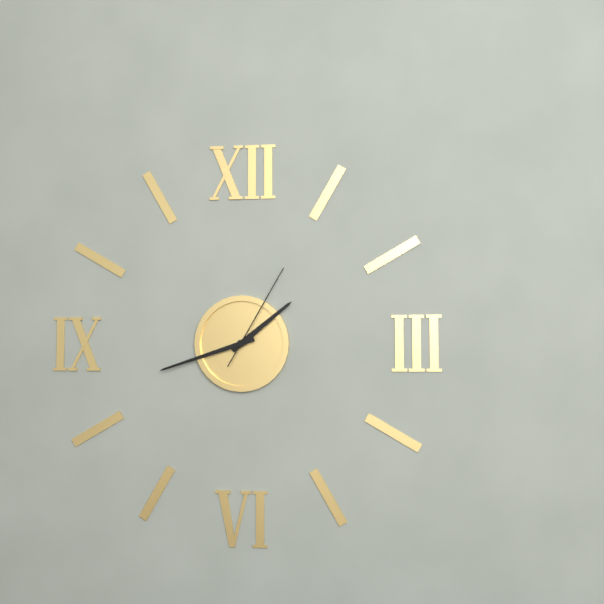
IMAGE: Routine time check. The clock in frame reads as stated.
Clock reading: 1:42:05
